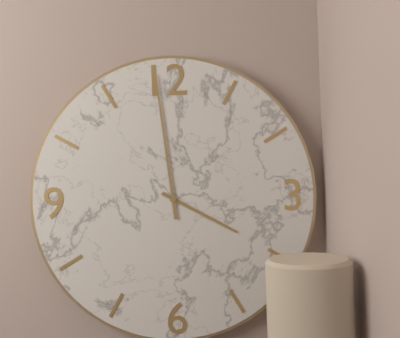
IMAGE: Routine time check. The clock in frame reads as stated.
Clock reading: 3:59
